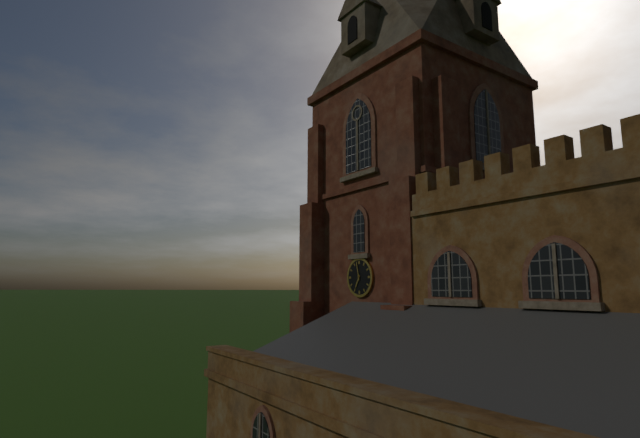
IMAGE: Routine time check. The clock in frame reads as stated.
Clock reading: 6:58
